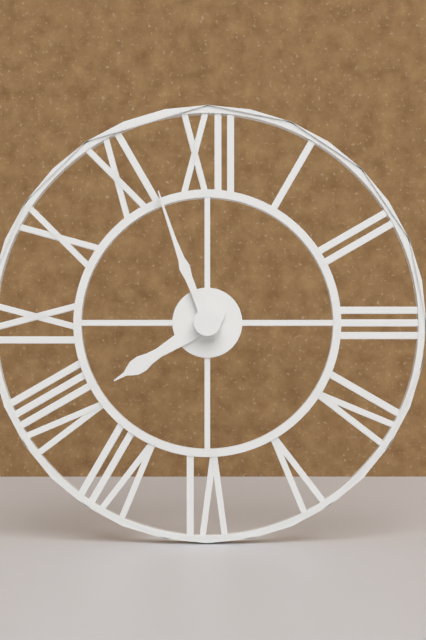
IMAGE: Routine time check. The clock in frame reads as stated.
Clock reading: 7:56
